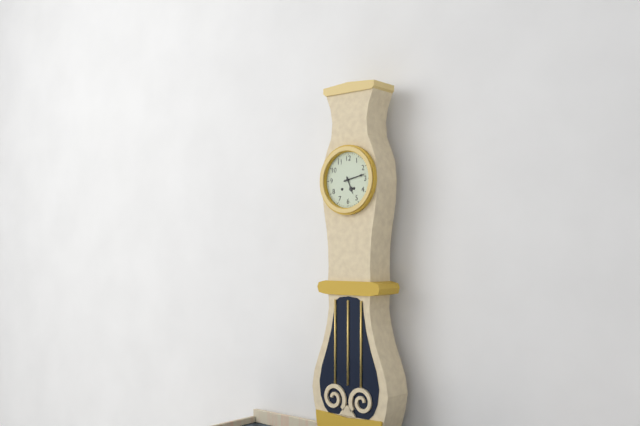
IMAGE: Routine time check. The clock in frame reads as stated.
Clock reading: 5:13
